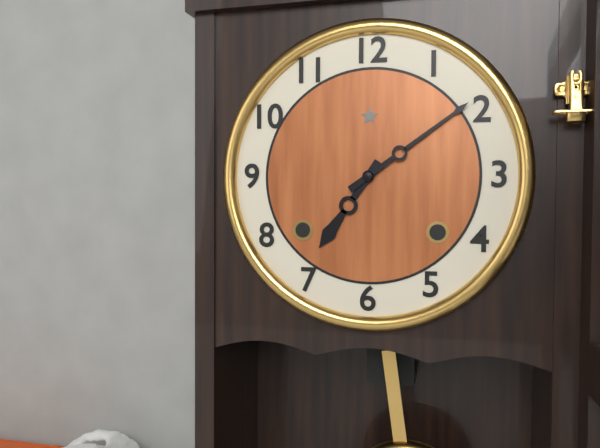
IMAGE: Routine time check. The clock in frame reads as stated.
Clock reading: 7:09
